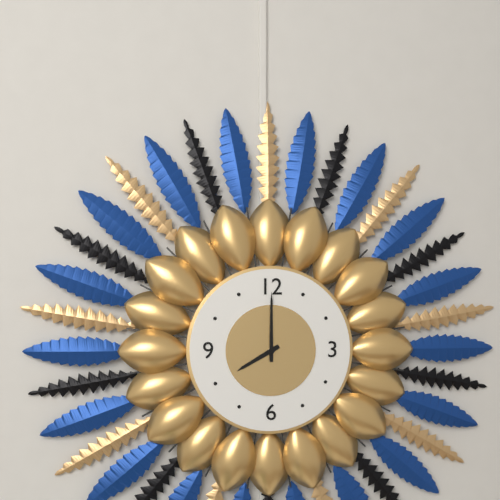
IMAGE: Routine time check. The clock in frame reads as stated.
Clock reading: 8:00
